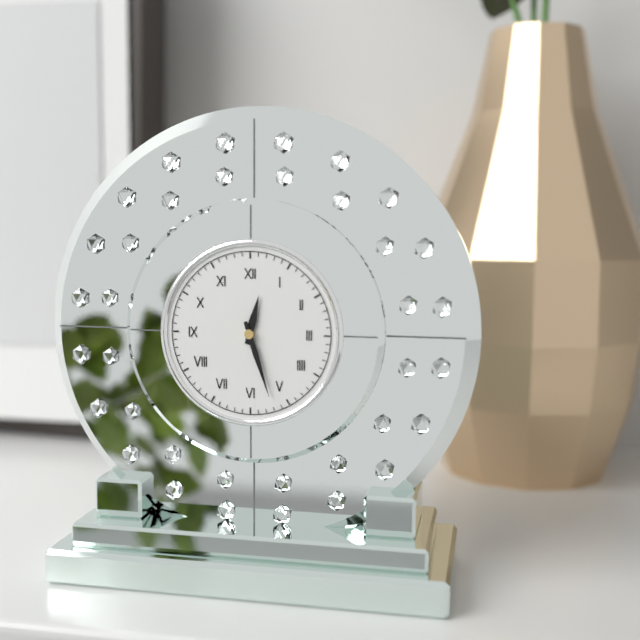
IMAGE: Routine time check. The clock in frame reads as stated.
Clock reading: 12:27
